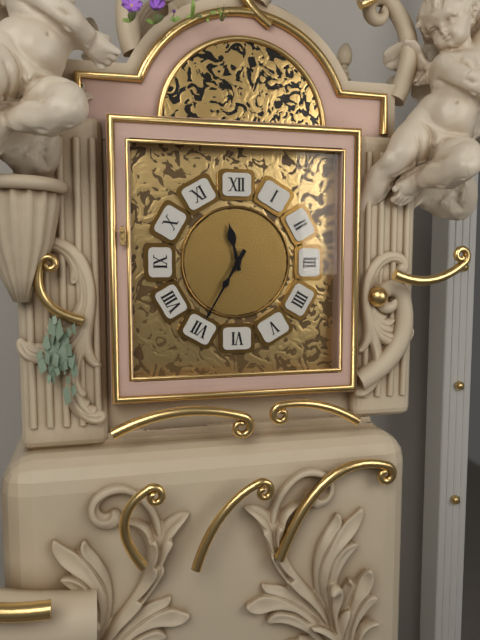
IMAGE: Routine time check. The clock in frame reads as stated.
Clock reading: 11:35
